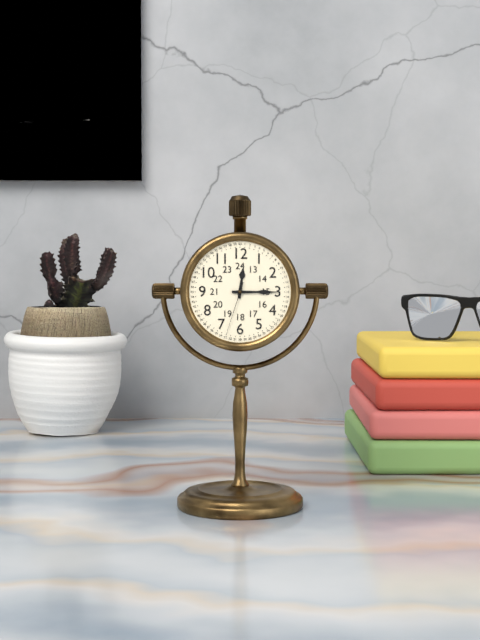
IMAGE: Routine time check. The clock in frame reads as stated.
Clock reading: 12:15:33
